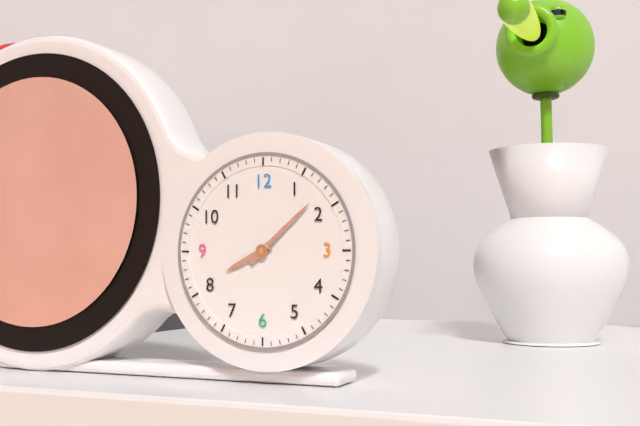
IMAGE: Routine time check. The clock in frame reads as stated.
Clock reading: 8:08
